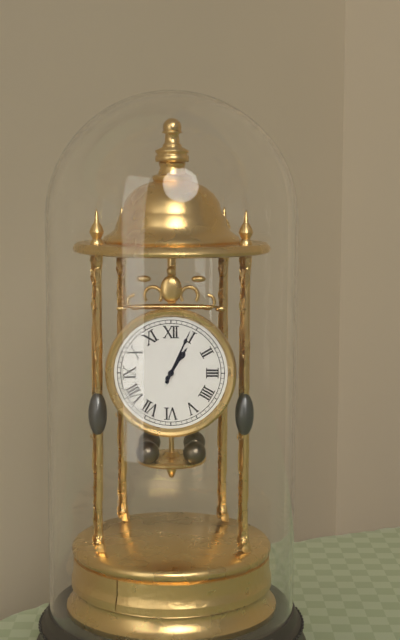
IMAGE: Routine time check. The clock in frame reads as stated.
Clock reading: 1:04
